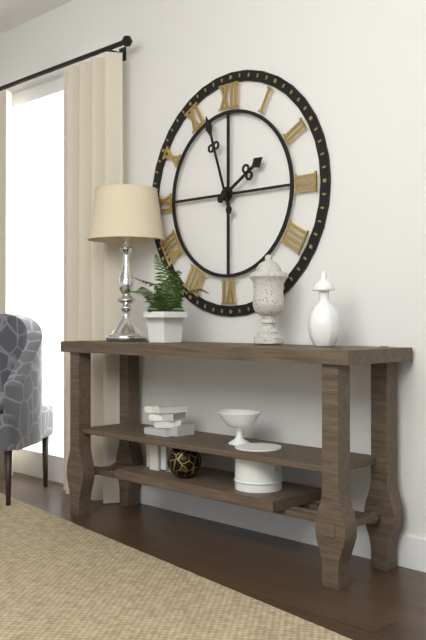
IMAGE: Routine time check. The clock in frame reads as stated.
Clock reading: 1:57
